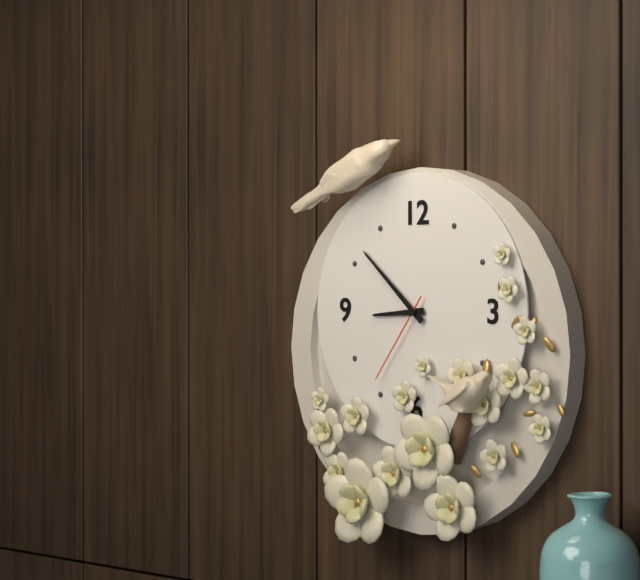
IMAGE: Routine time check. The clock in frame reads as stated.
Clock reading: 8:52:36
